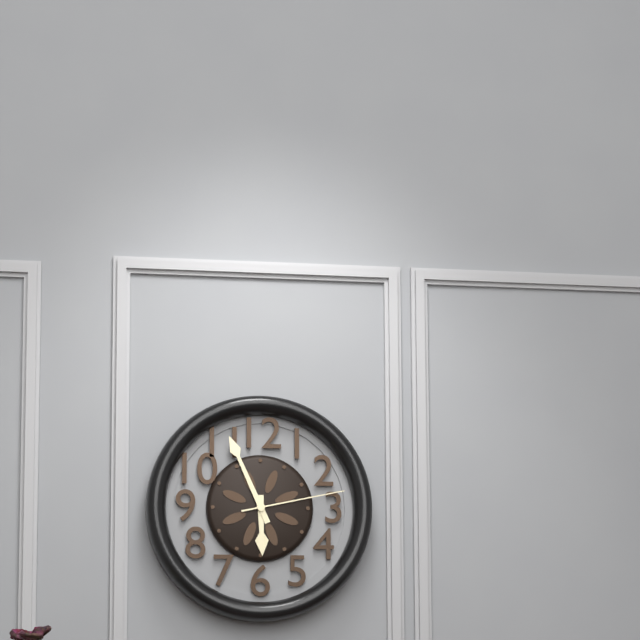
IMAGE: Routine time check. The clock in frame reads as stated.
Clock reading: 5:56:13
